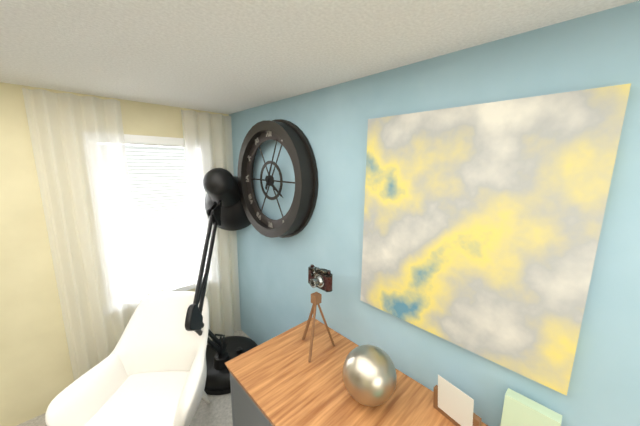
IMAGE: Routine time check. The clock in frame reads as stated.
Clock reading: 4:04
